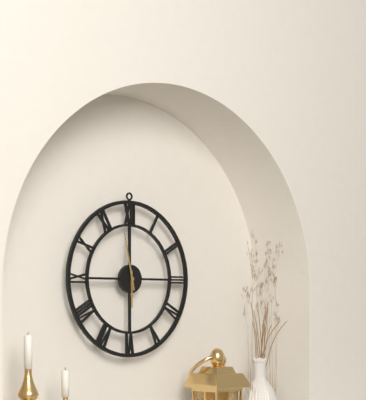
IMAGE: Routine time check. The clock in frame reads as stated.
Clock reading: 5:58
